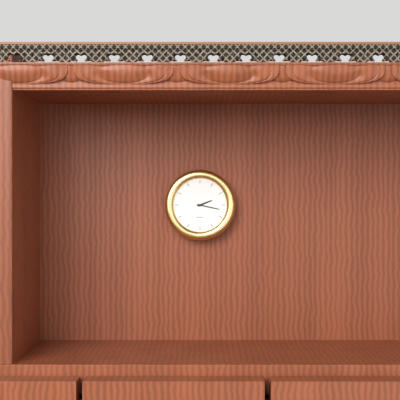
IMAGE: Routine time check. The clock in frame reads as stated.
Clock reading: 2:17
